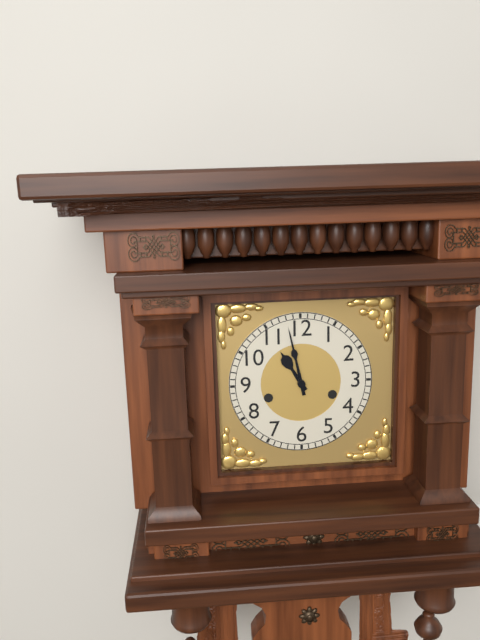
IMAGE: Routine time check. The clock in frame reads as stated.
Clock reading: 10:58
